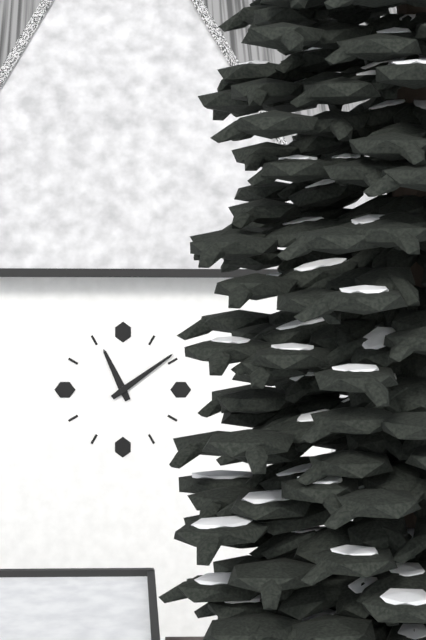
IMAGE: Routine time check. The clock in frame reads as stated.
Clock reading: 11:09
